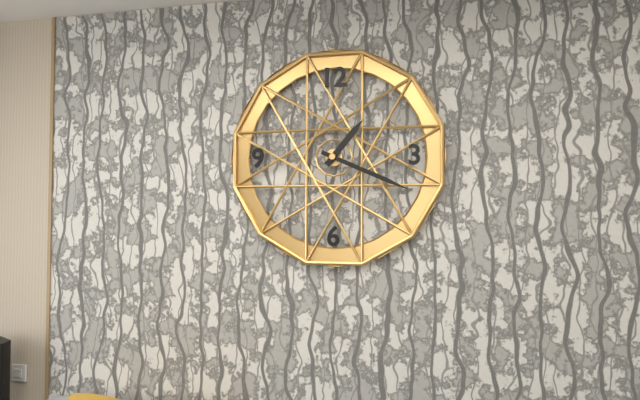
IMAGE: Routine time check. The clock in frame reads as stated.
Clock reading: 1:19
